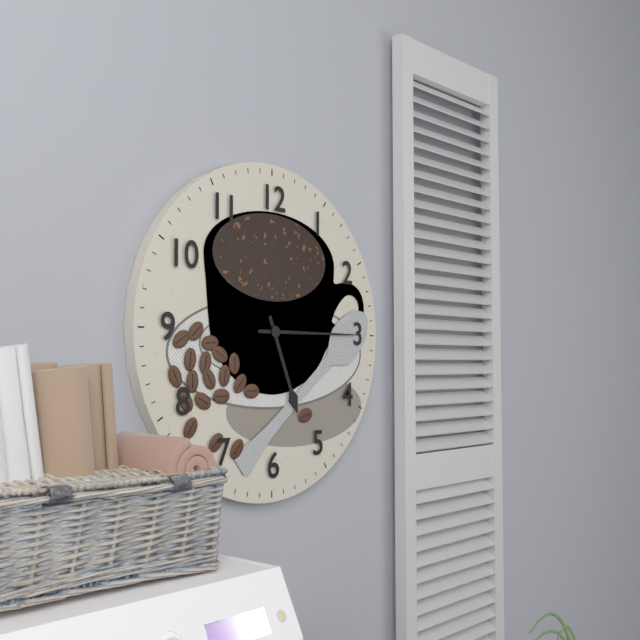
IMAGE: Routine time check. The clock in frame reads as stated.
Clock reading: 5:15
